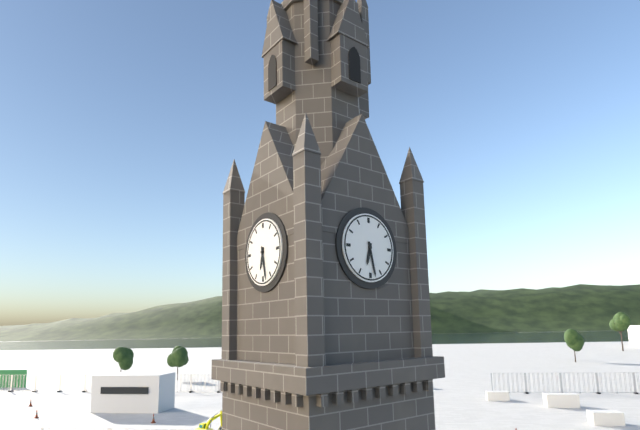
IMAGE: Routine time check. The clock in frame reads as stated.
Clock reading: 6:28
